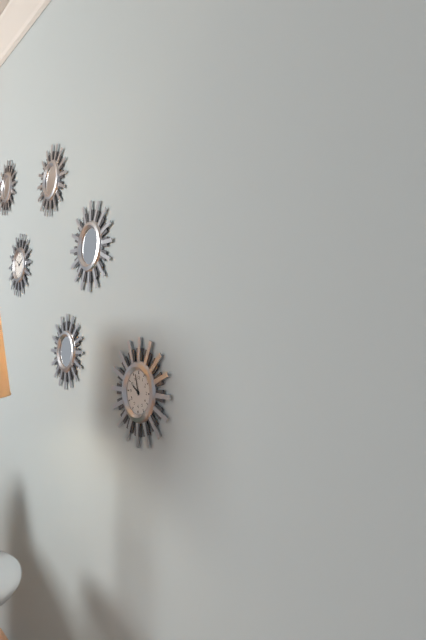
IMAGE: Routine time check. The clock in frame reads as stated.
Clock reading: 9:57
